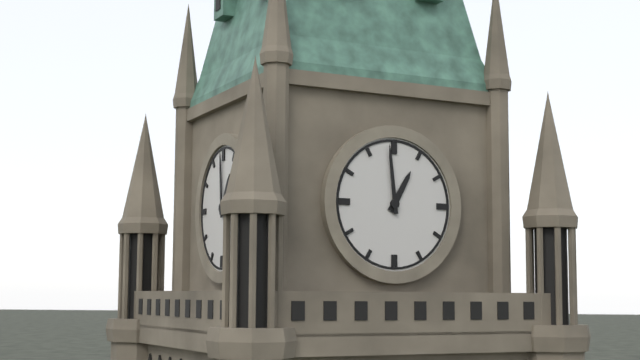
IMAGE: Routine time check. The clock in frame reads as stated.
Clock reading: 12:59
